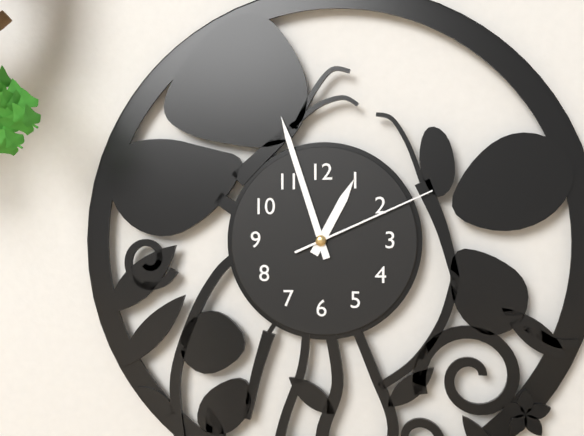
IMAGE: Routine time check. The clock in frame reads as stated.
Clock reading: 12:57:11
